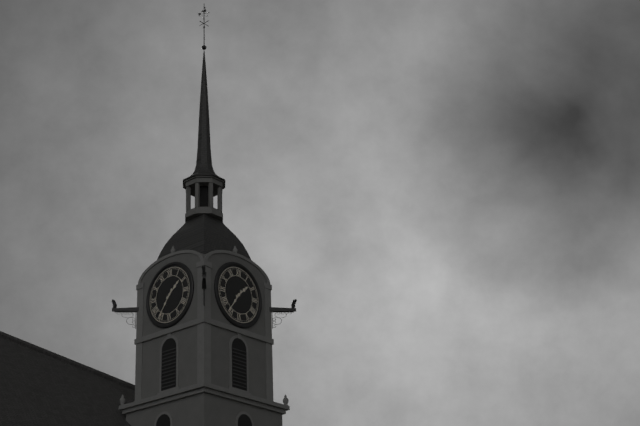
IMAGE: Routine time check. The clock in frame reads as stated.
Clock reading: 1:36
